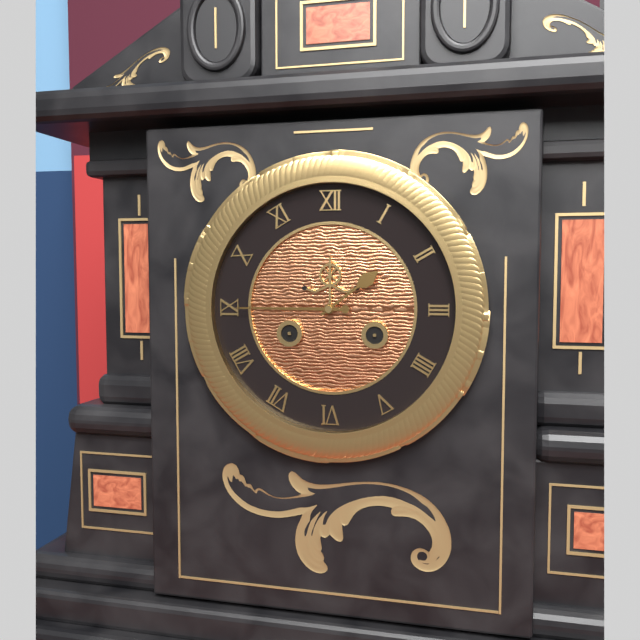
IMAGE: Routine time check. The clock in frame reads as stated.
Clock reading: 1:45
